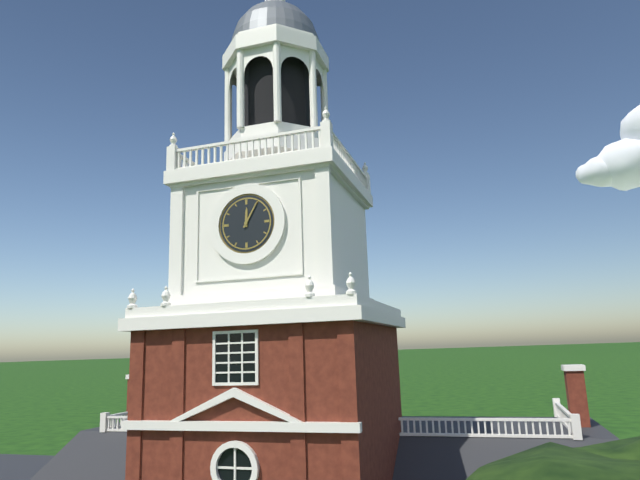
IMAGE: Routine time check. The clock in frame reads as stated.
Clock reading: 12:05
